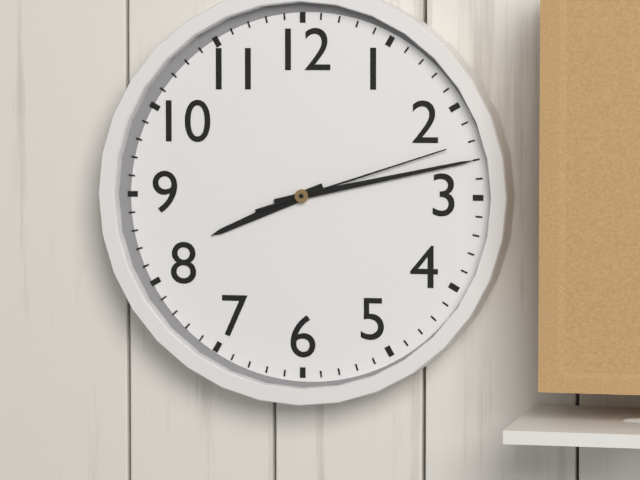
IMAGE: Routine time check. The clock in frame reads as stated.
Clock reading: 8:13:12
